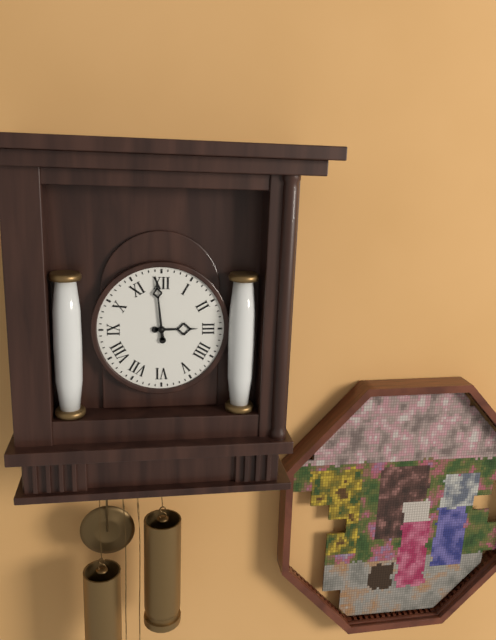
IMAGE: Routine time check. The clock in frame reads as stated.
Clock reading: 2:59
